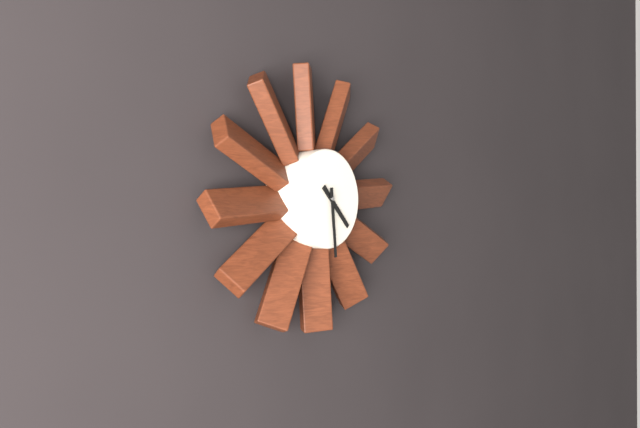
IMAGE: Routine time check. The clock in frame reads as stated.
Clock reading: 4:29
